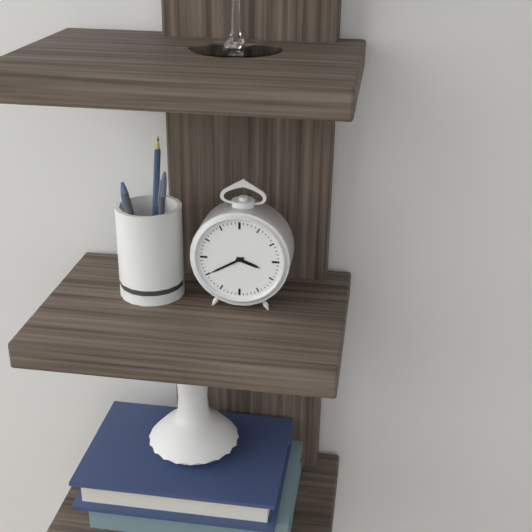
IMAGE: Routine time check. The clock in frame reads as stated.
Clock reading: 3:40
